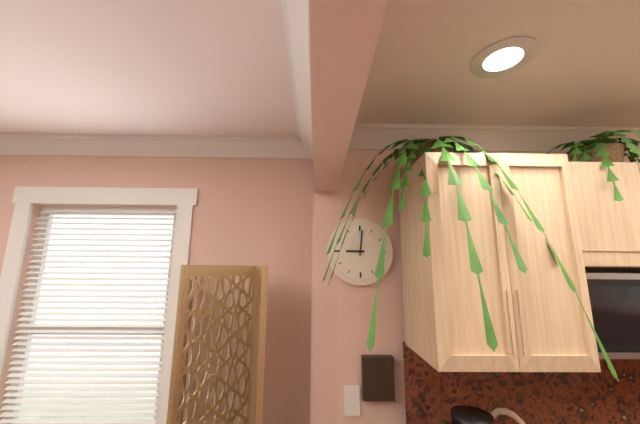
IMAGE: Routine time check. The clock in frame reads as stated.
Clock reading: 9:01
